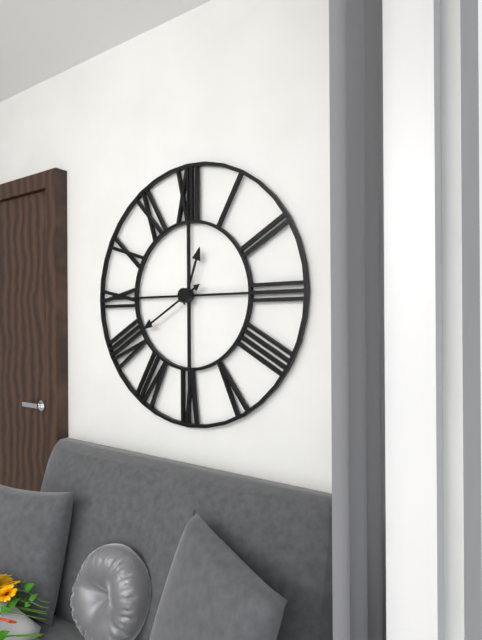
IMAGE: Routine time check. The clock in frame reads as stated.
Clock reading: 12:40
